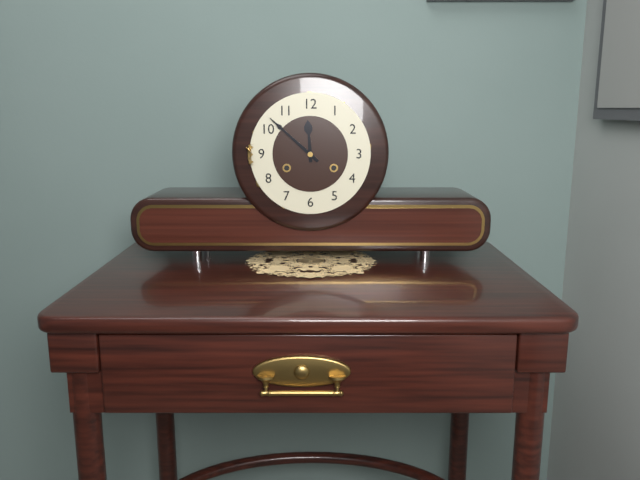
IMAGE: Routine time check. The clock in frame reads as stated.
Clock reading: 11:52
